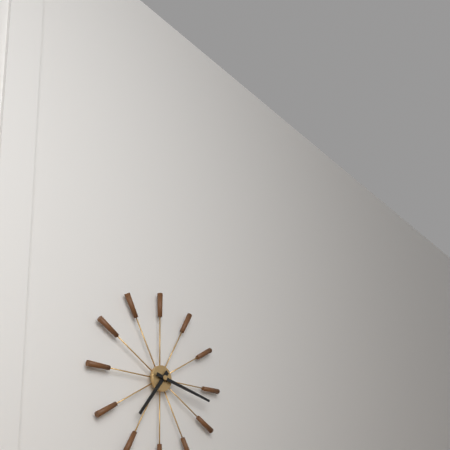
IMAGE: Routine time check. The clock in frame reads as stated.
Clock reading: 7:17
